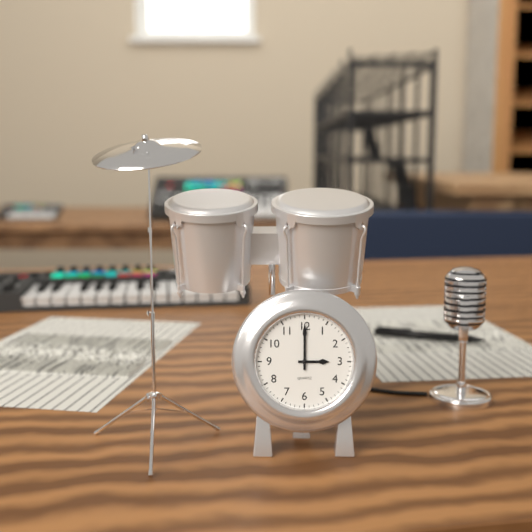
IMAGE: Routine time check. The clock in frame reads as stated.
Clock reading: 3:00
